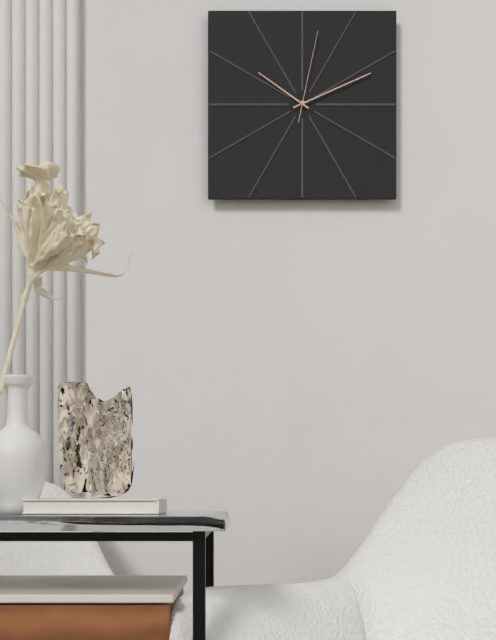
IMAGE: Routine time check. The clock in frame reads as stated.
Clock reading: 10:11:02
